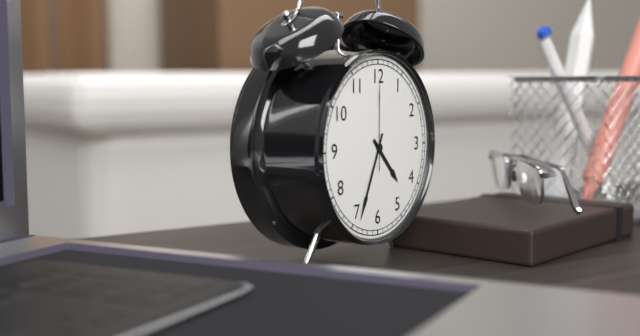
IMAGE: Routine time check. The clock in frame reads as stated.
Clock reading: 4:34:00
